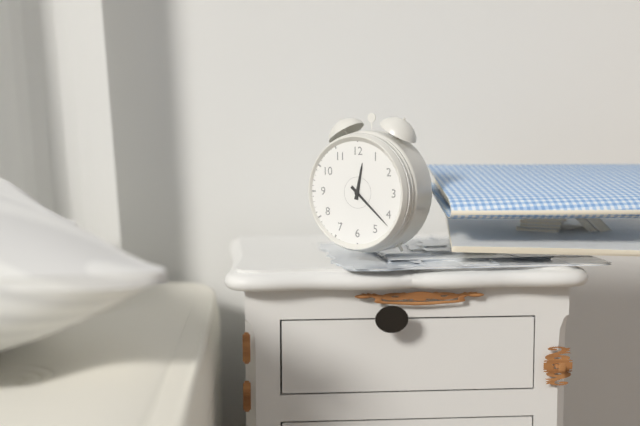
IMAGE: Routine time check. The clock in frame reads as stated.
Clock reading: 12:22
